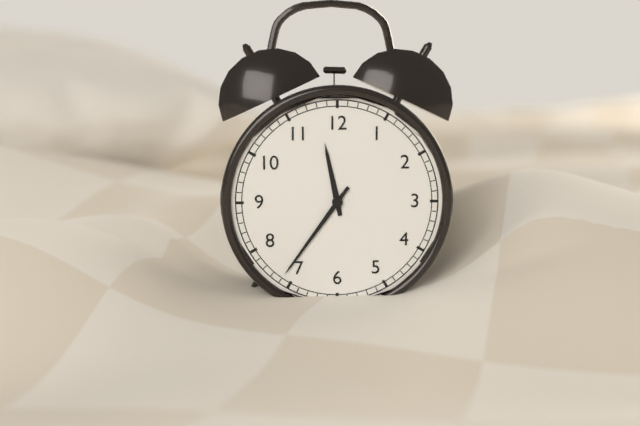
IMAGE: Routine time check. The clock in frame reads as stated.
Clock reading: 11:36
